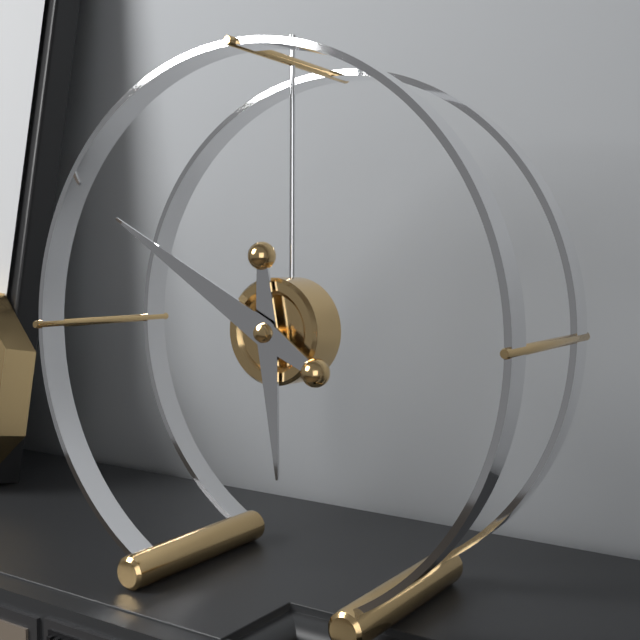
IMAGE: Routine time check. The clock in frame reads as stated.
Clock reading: 5:50
